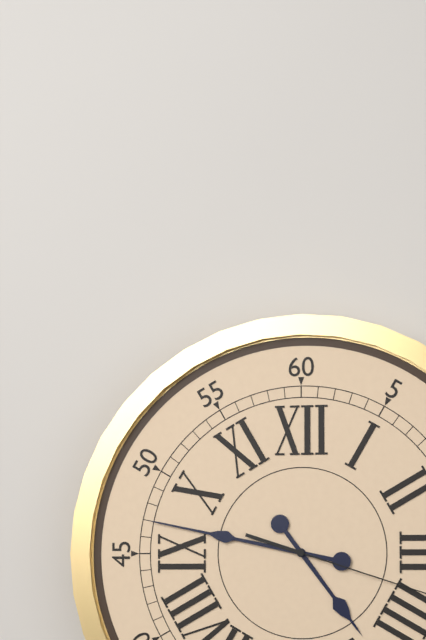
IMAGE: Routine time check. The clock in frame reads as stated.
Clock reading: 4:47
